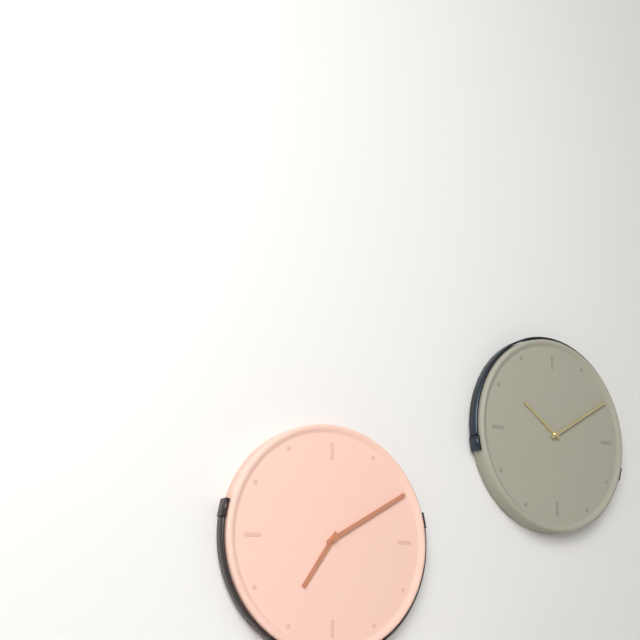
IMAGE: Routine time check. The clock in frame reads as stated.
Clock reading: 7:10
